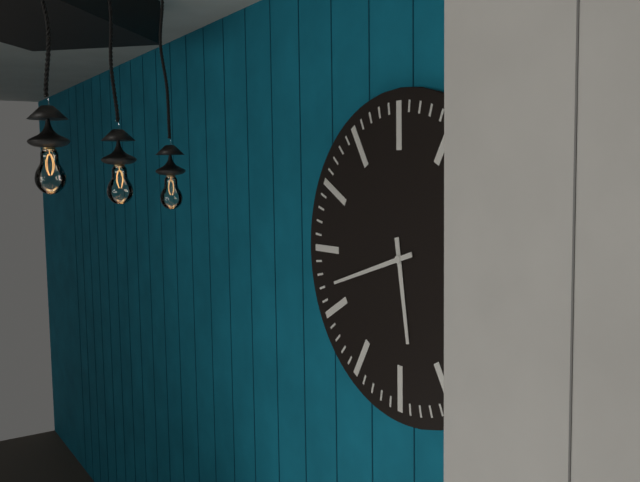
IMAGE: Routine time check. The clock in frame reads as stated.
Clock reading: 5:42
